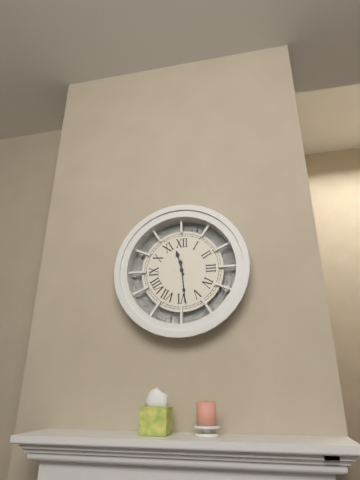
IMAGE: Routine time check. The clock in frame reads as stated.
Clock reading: 11:29
